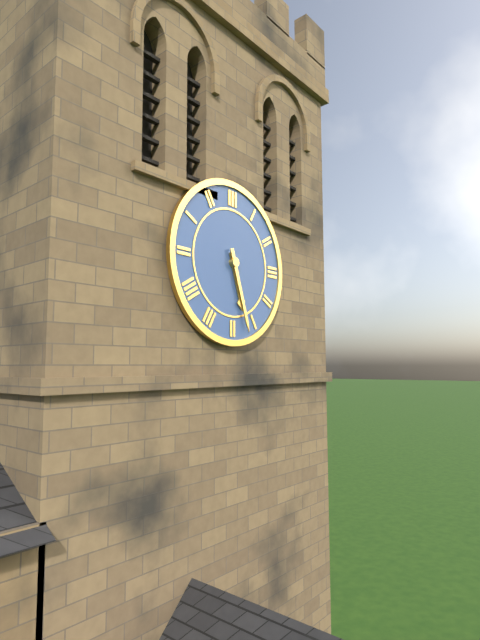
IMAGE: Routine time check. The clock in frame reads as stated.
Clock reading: 5:27
